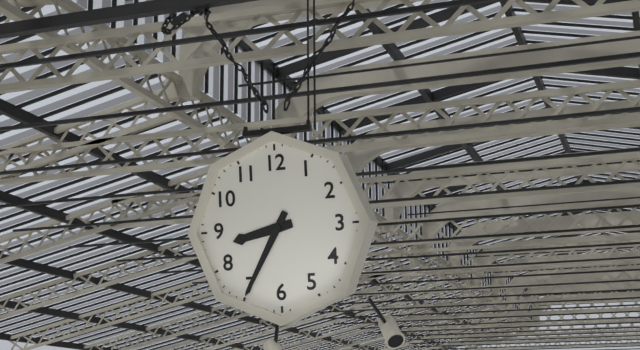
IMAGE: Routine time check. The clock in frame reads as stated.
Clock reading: 8:35
